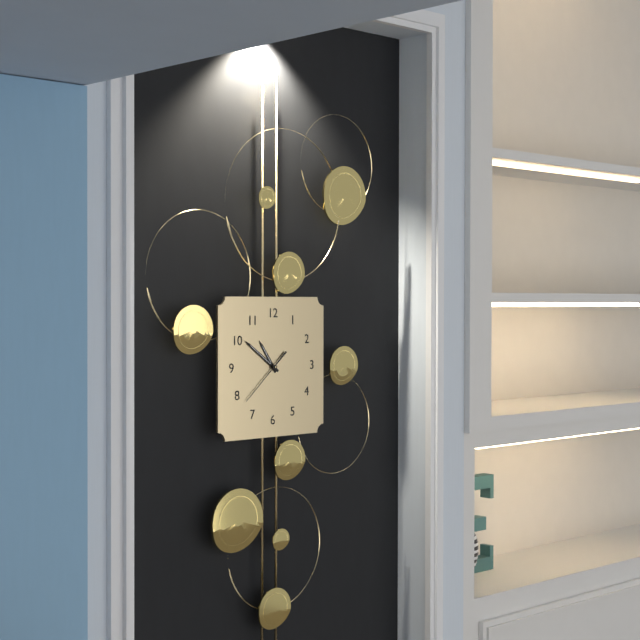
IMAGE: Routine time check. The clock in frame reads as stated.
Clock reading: 10:51:38
